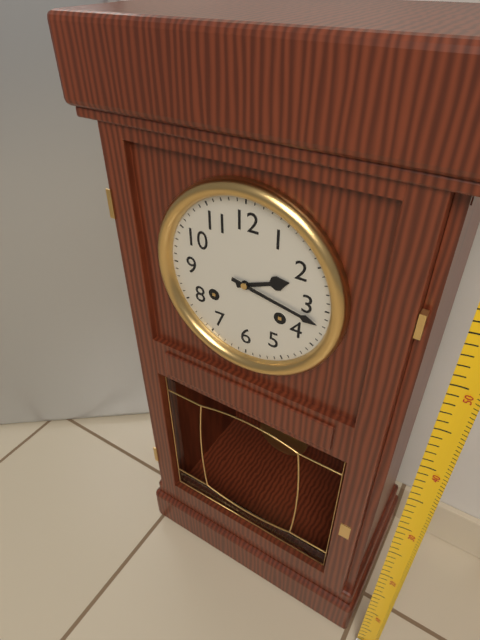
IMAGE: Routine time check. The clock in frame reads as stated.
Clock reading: 2:17
